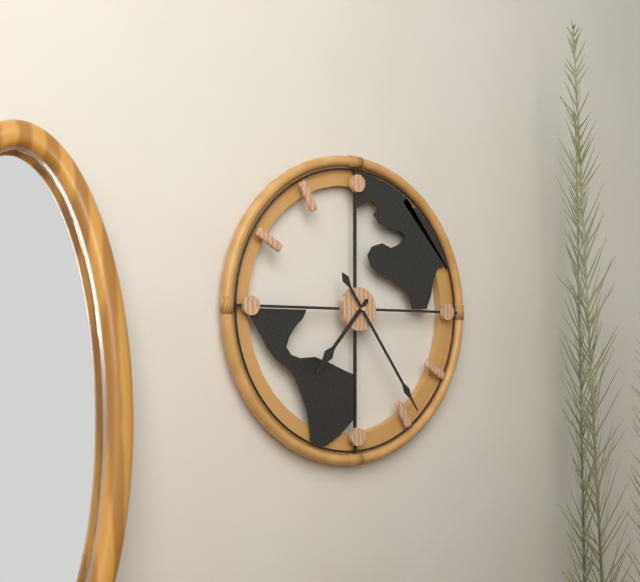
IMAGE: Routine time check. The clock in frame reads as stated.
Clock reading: 7:24
